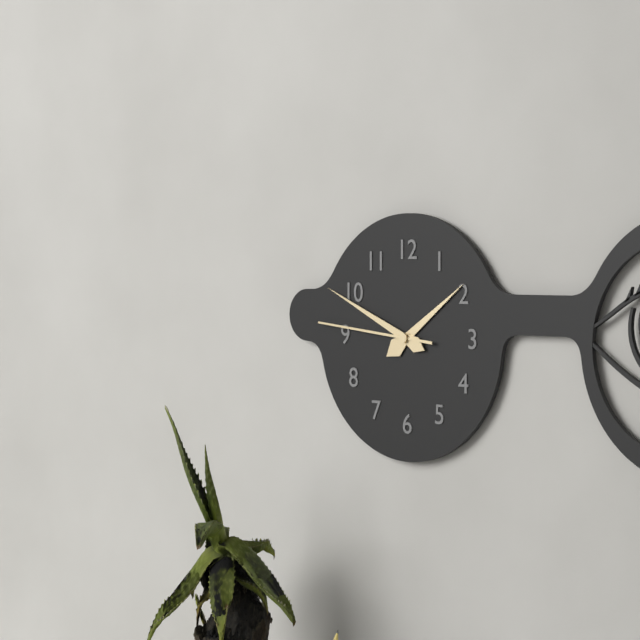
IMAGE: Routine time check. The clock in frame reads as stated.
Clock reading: 1:49:46
